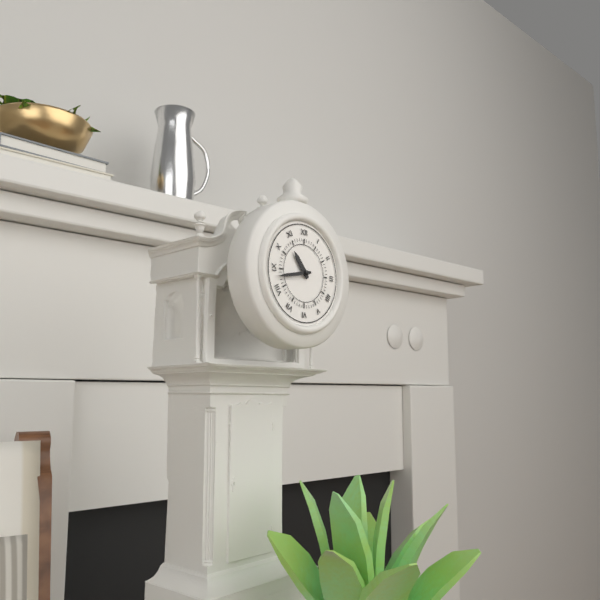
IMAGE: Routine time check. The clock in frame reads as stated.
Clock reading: 10:43
